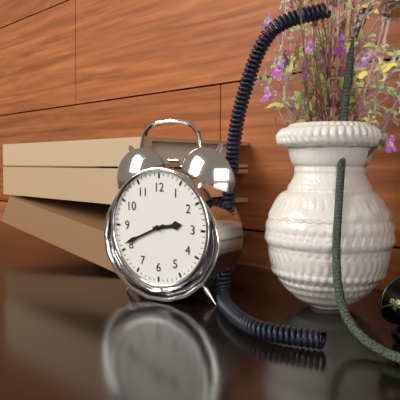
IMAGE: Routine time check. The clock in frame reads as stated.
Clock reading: 2:41
